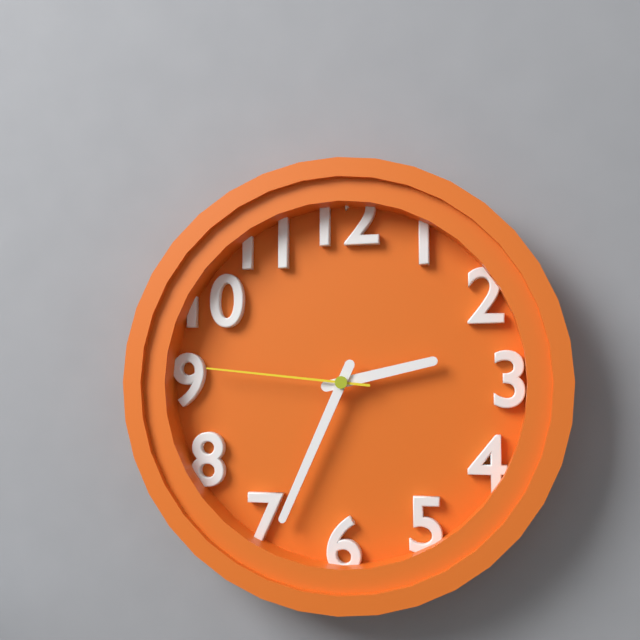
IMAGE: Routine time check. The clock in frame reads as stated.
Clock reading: 2:34:46
